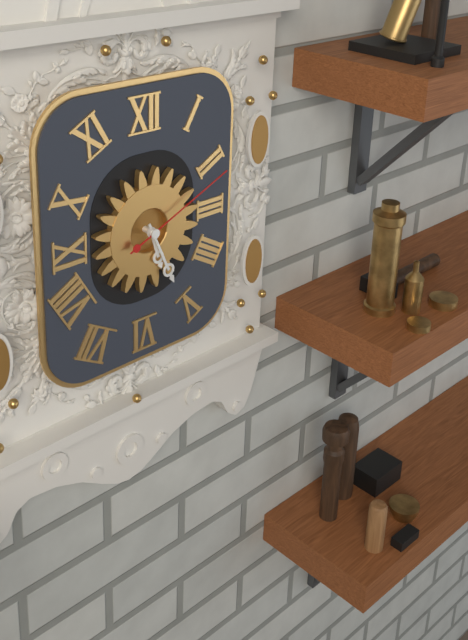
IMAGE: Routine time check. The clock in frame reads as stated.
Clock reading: 5:26:11
